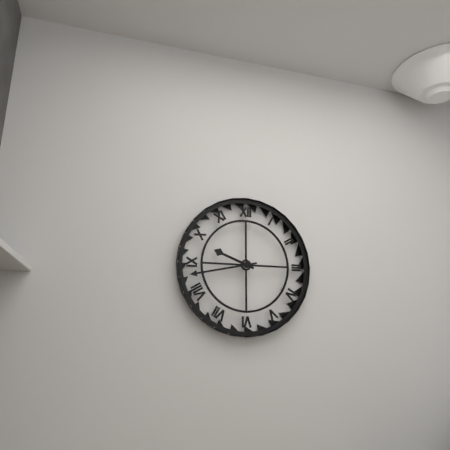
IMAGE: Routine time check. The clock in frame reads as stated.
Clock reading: 9:43
